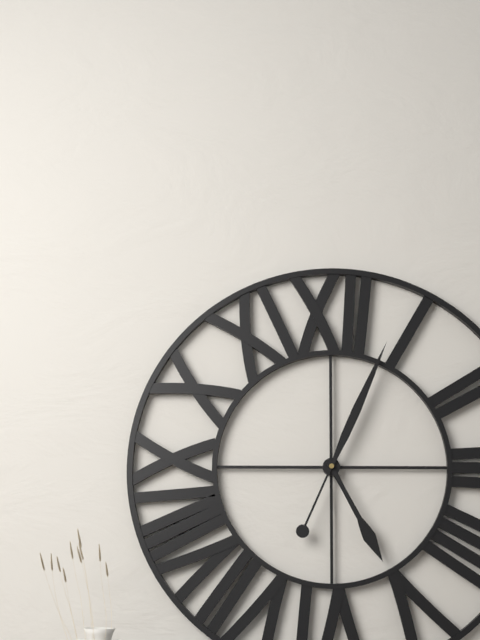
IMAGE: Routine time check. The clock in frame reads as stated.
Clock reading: 5:04
